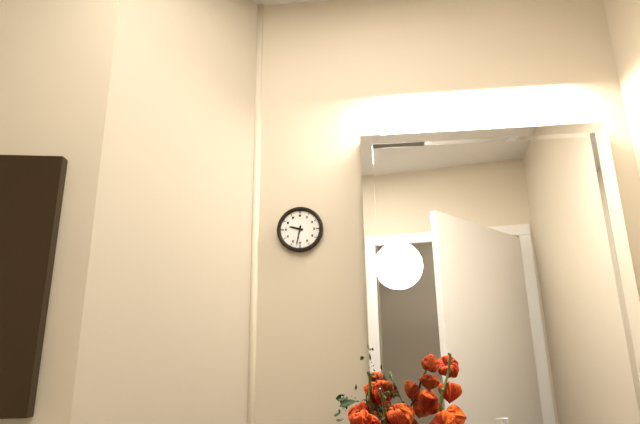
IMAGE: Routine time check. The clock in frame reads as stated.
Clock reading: 9:32
